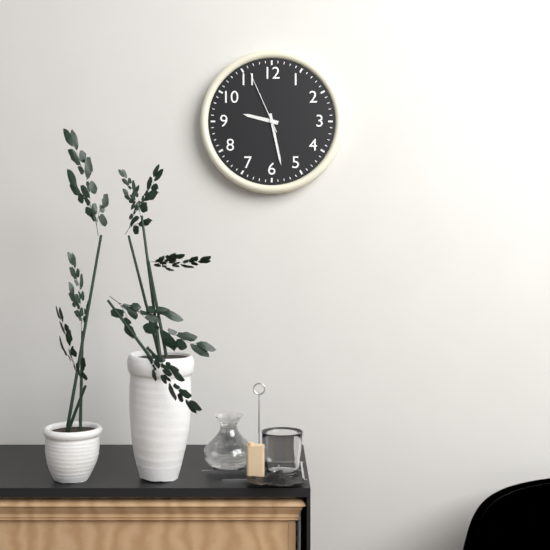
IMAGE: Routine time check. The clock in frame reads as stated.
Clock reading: 9:28:56
